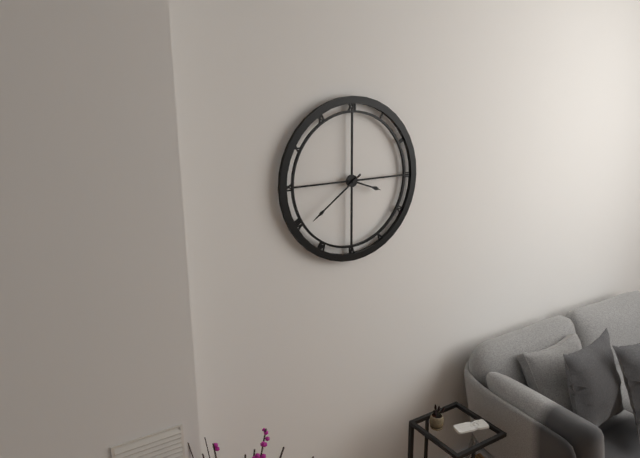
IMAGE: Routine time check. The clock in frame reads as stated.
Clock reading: 3:39
